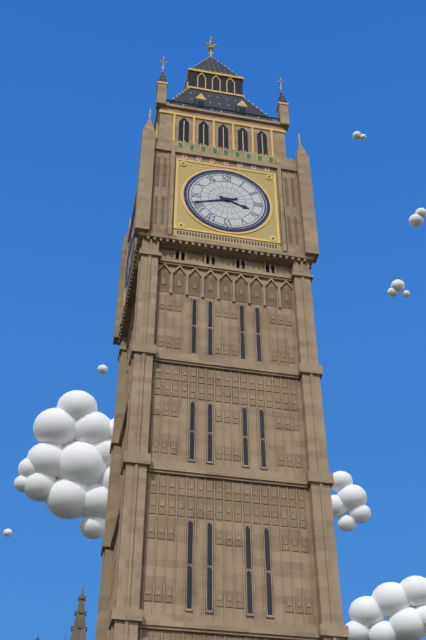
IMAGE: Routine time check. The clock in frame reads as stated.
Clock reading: 3:42
